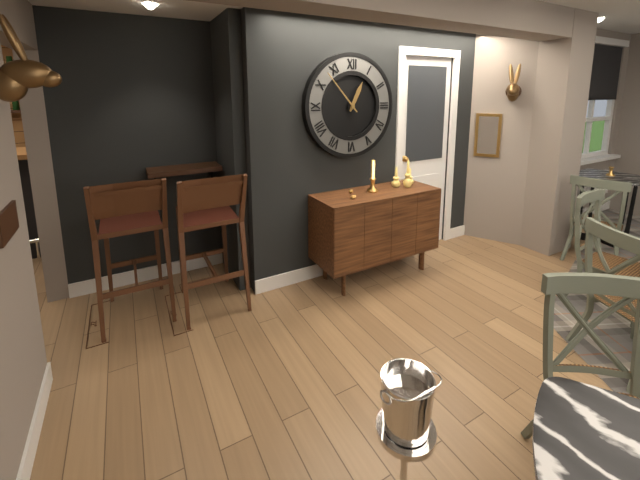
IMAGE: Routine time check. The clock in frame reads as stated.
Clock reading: 12:53
